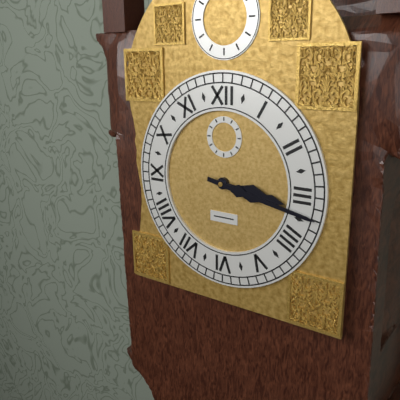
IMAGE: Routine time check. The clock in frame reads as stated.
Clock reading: 3:17
